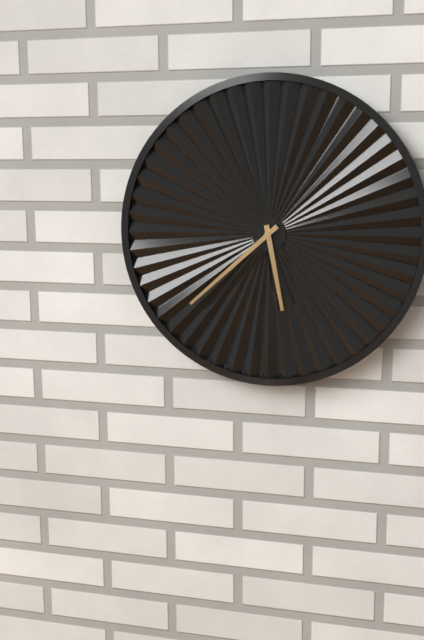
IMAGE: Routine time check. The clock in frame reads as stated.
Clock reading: 5:38
